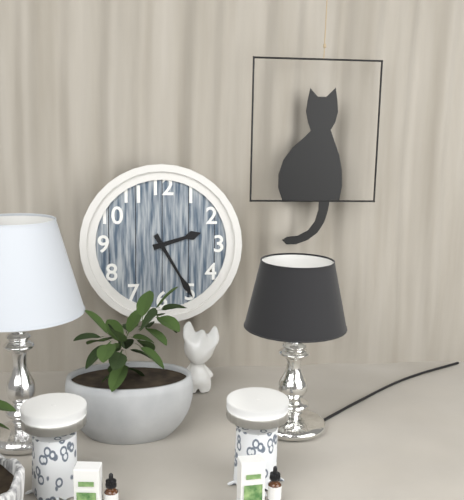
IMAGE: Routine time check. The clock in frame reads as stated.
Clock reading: 2:25
